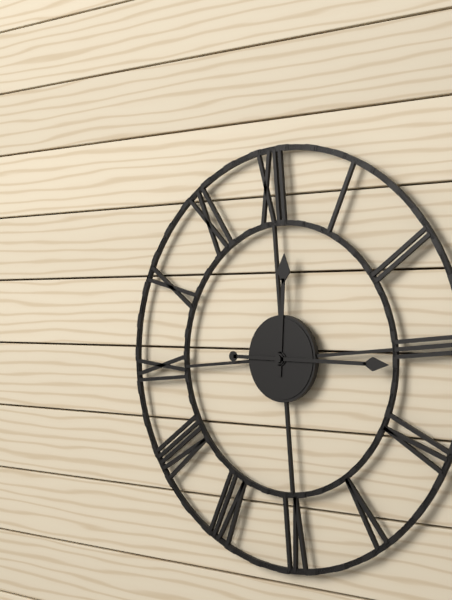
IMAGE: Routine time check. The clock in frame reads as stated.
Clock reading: 12:16
